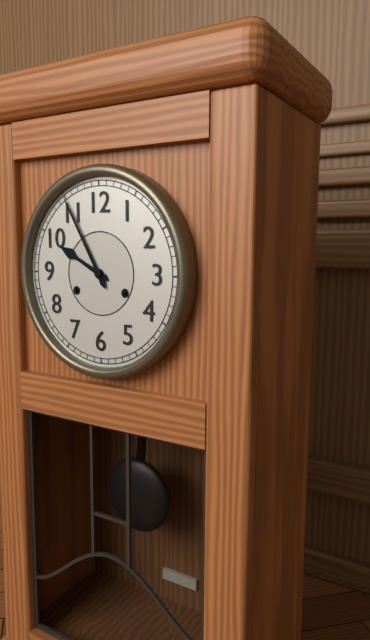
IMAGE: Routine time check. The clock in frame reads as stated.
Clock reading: 9:55
